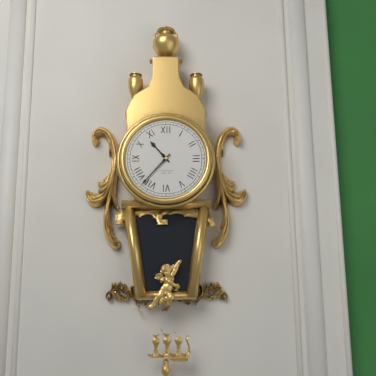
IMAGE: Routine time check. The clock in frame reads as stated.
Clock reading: 10:37
